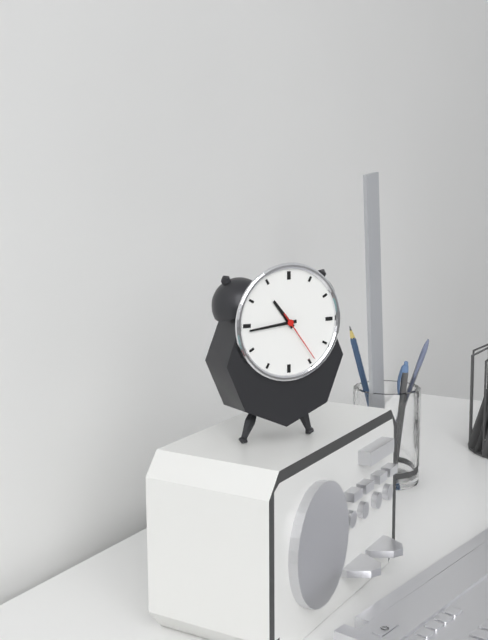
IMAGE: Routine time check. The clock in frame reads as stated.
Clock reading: 10:44:24
